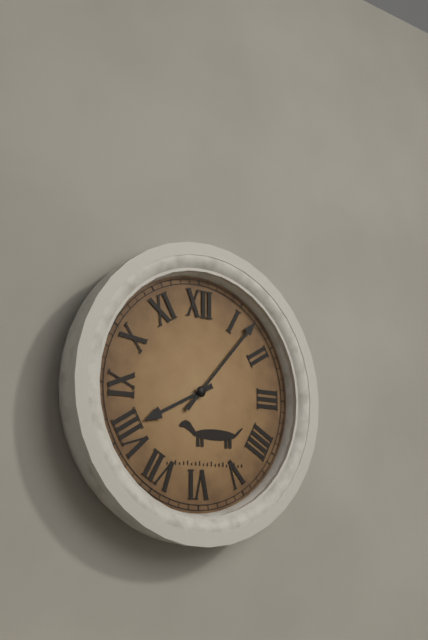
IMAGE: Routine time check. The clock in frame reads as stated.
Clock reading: 8:07
